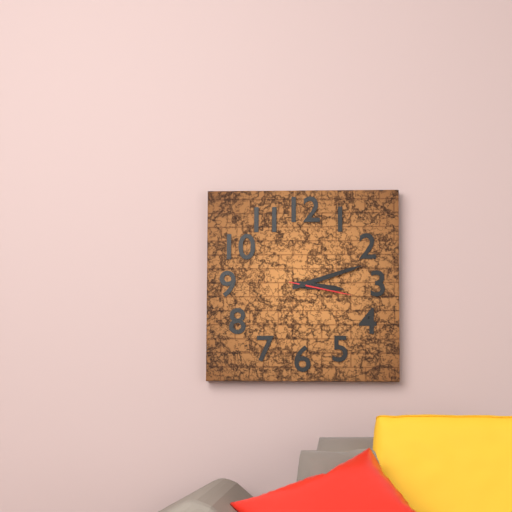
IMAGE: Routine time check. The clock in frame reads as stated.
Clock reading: 3:12:17
